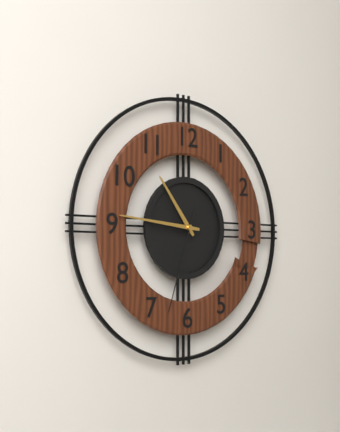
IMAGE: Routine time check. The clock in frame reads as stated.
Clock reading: 10:46:33
